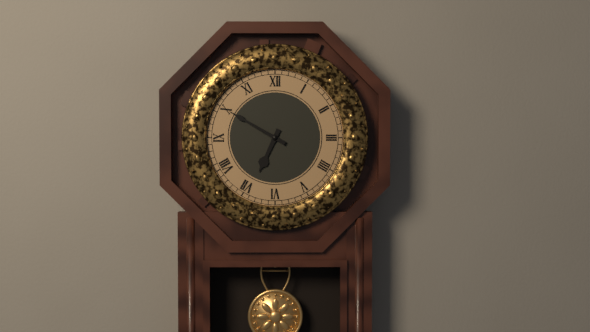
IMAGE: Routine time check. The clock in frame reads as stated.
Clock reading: 6:50
